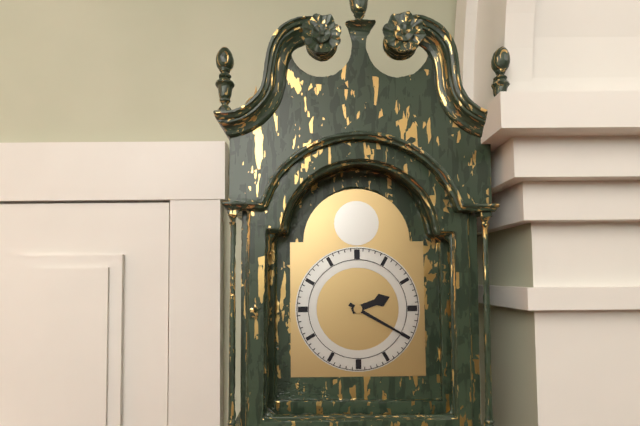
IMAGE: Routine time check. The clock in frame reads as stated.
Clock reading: 2:20
